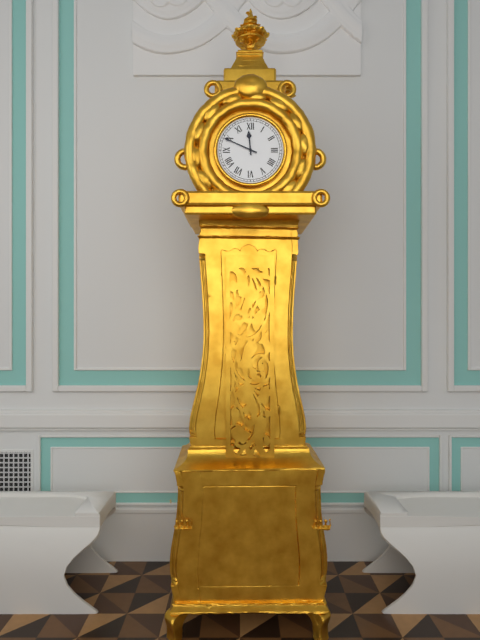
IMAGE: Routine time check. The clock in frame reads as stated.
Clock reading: 11:49
